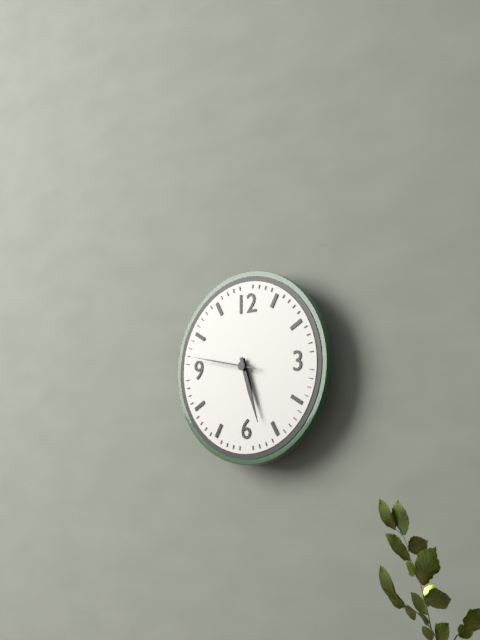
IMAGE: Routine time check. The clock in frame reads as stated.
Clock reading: 5:27:47
